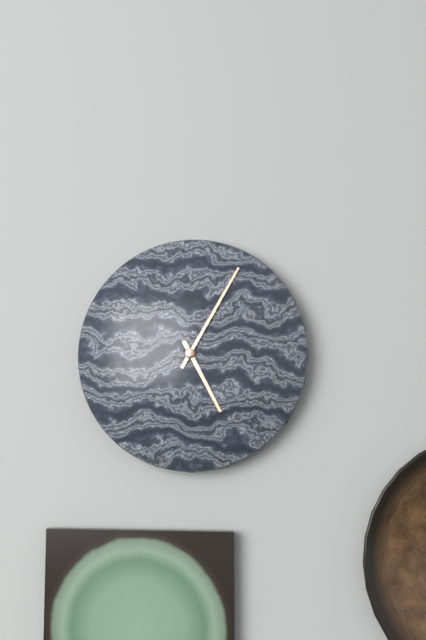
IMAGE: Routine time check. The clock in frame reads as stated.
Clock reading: 5:05
